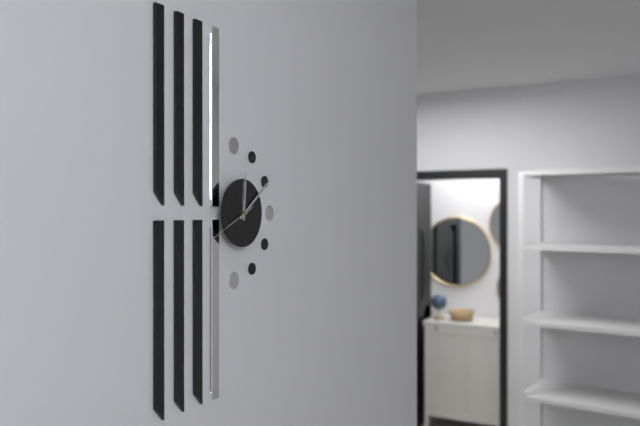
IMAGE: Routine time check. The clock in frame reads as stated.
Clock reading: 12:09:41
